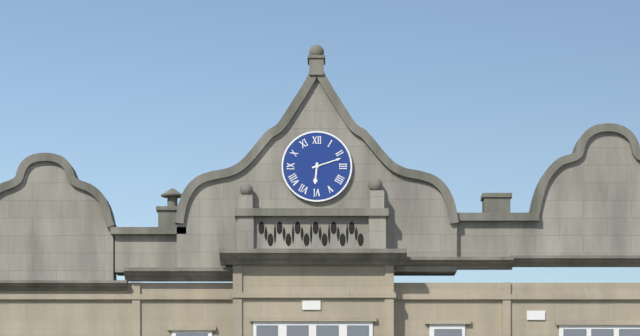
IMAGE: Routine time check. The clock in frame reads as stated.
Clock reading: 6:12
